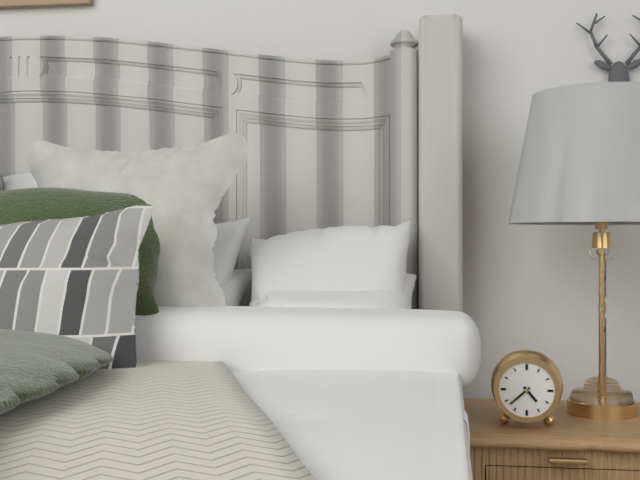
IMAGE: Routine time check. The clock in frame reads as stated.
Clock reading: 4:38
